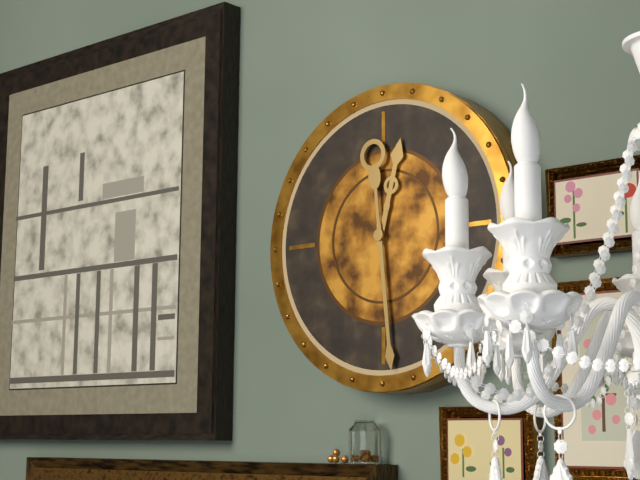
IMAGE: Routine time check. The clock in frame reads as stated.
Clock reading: 12:29
